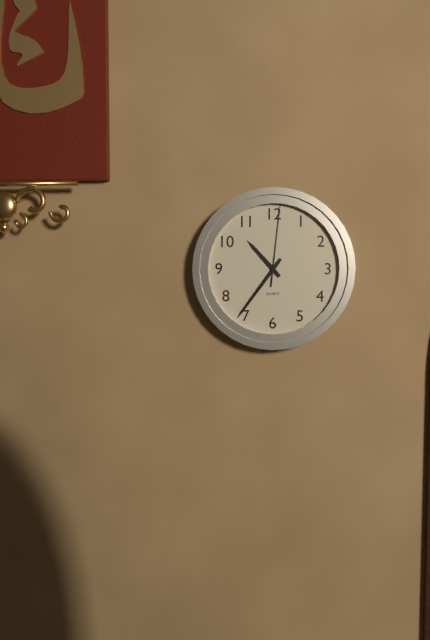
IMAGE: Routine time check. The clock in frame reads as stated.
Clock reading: 10:36:01
